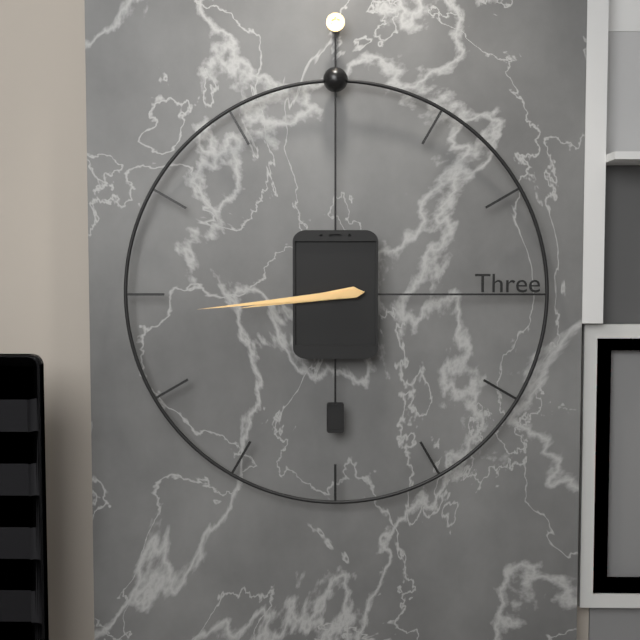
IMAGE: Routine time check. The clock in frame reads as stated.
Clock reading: 8:44
